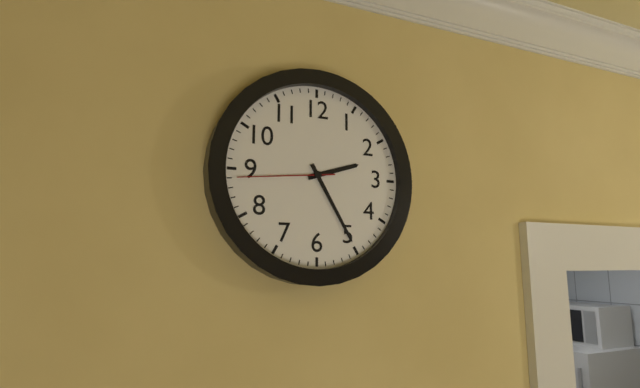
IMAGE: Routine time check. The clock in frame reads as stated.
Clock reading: 2:25:44
